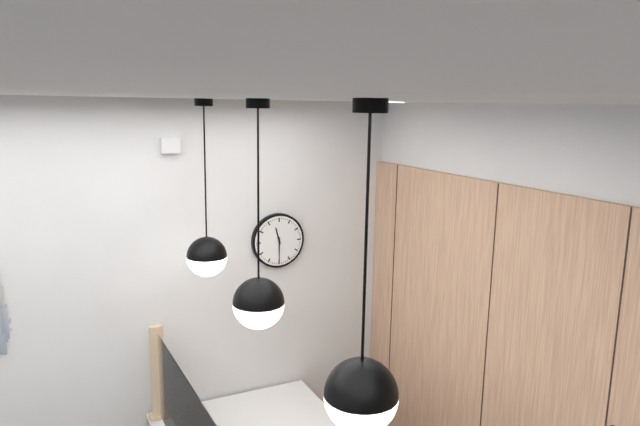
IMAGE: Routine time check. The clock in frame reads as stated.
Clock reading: 11:30
